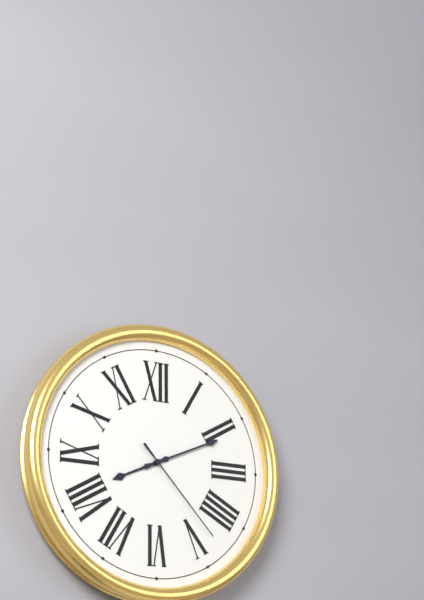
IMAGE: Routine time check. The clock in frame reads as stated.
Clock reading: 8:11:23
